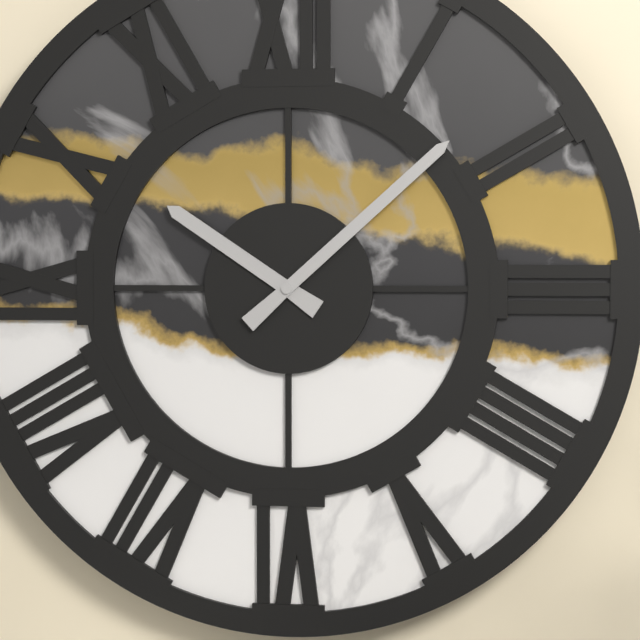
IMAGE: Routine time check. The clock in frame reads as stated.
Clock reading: 10:08
